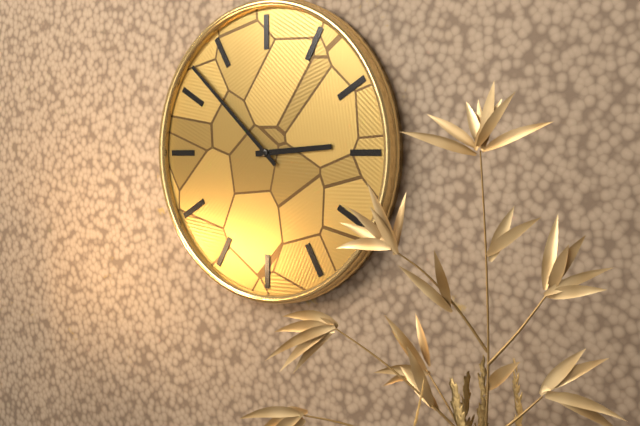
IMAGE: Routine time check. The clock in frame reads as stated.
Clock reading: 2:52
